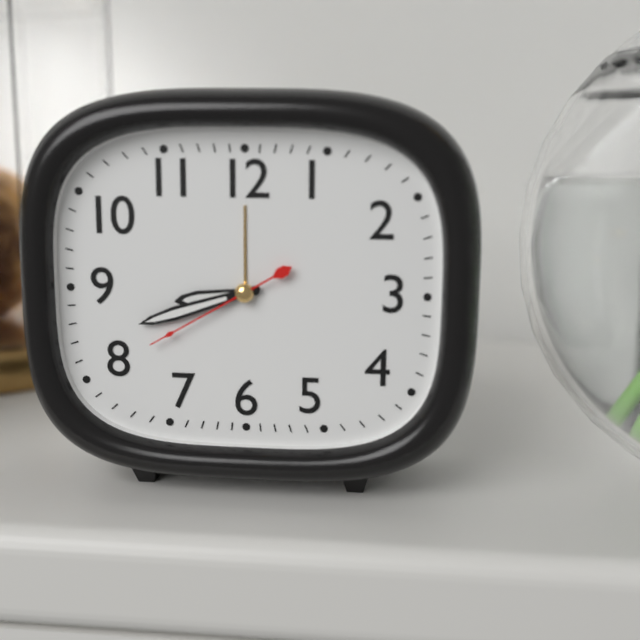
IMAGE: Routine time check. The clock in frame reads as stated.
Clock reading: 8:42:40
